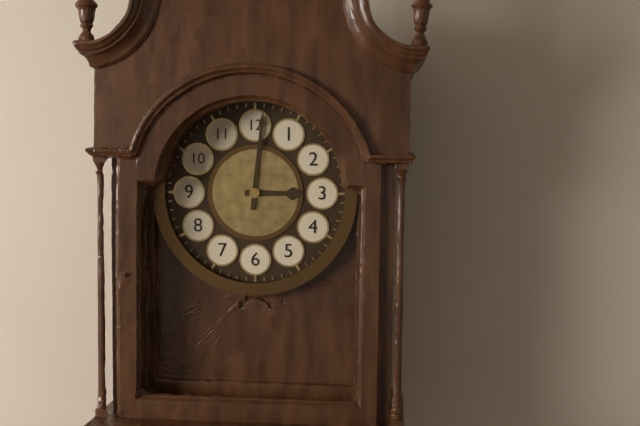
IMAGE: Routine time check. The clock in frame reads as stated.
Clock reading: 3:01
